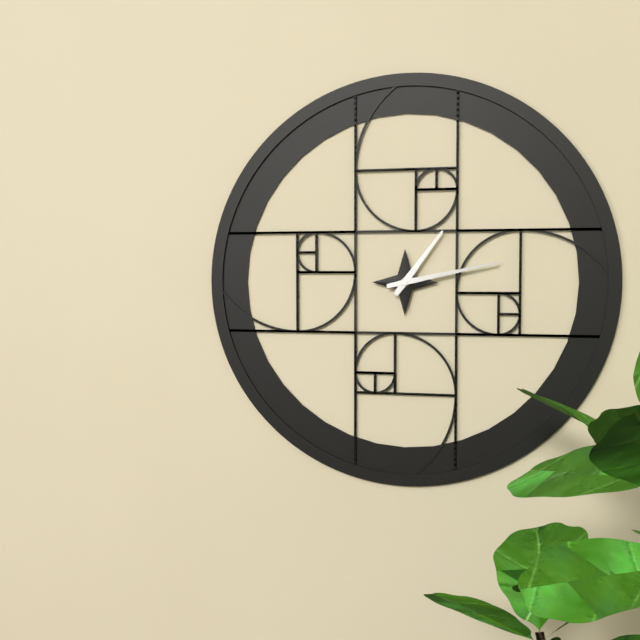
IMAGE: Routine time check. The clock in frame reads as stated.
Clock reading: 1:13
